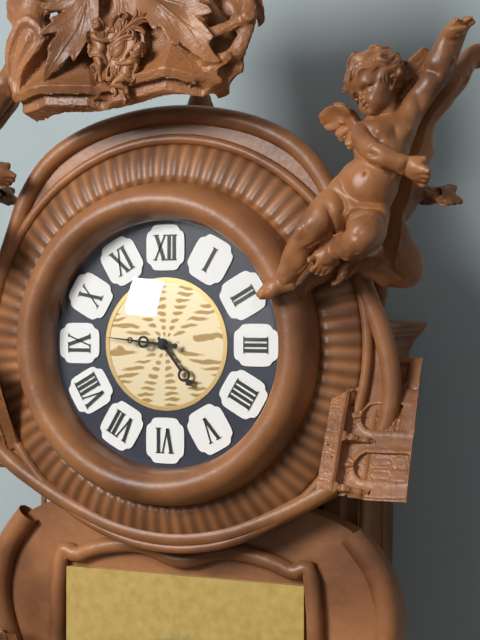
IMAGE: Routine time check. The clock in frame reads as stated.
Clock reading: 4:46
